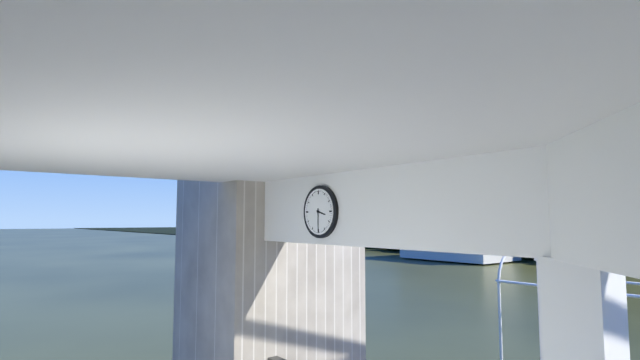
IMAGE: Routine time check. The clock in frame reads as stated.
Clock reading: 3:30
